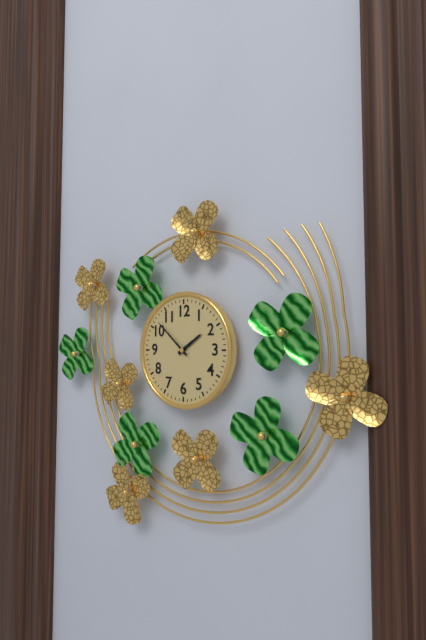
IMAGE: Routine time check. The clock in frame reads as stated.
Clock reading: 1:52
